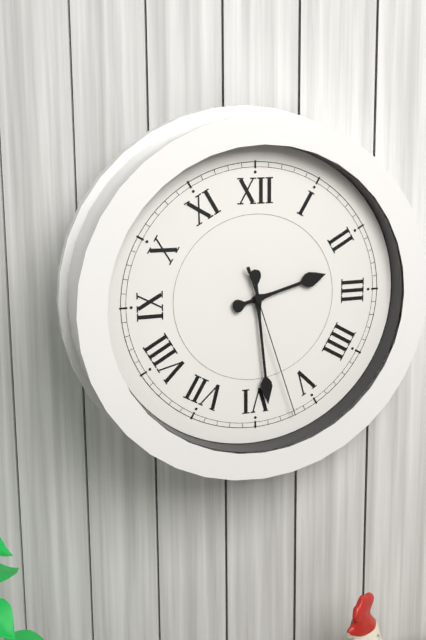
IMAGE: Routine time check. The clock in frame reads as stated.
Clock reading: 2:29:27
